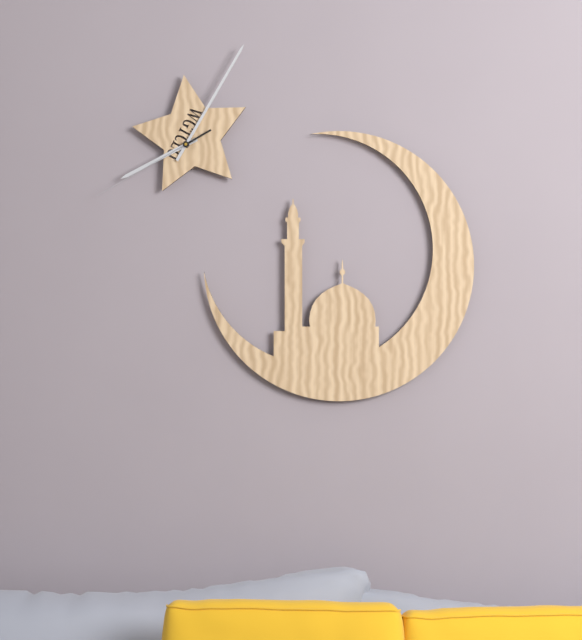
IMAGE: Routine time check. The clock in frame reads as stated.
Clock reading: 8:05:40
